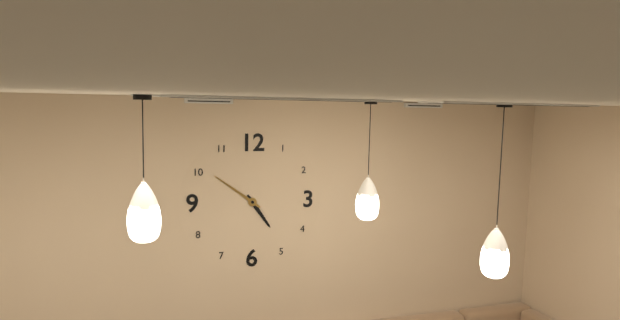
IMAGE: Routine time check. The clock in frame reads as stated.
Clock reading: 4:51
